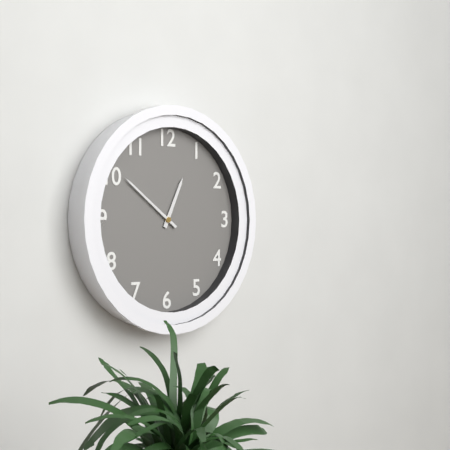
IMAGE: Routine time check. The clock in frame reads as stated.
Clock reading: 12:51
